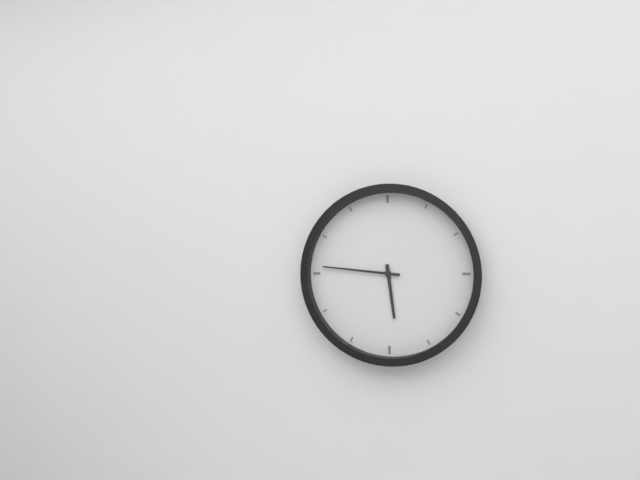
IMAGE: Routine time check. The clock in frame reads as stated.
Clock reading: 5:46
